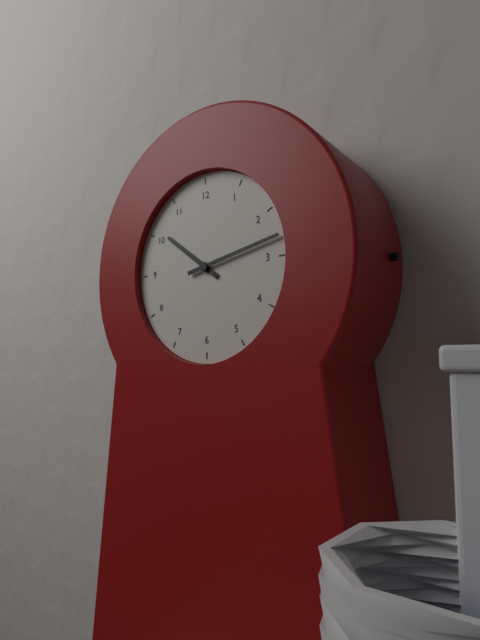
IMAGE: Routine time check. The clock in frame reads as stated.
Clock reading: 10:13
